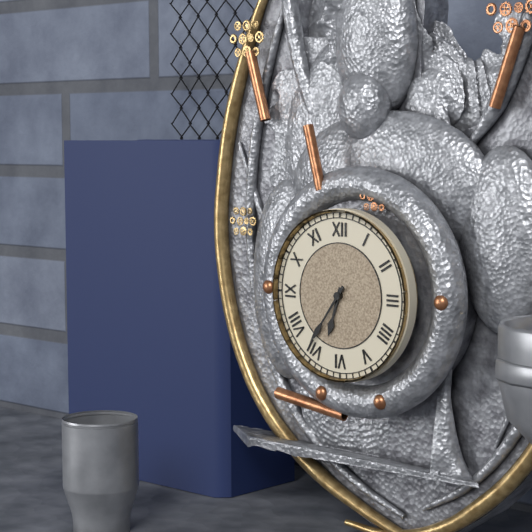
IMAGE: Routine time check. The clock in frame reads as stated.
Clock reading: 6:36
